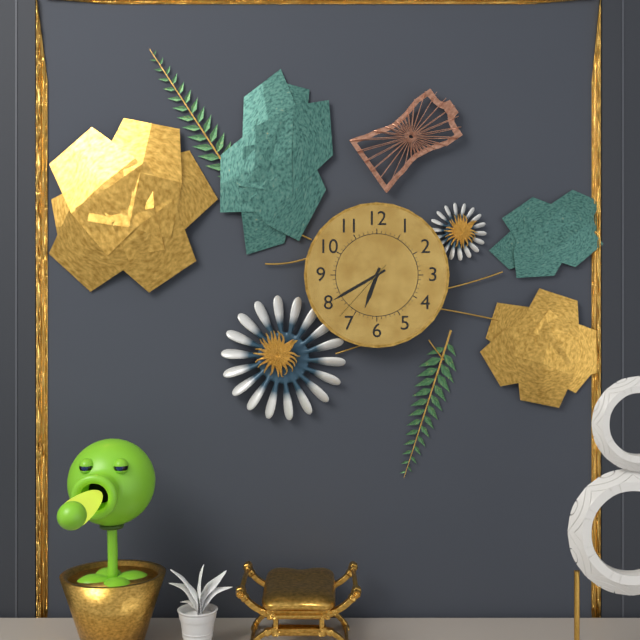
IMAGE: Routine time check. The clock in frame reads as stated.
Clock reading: 6:40:37
